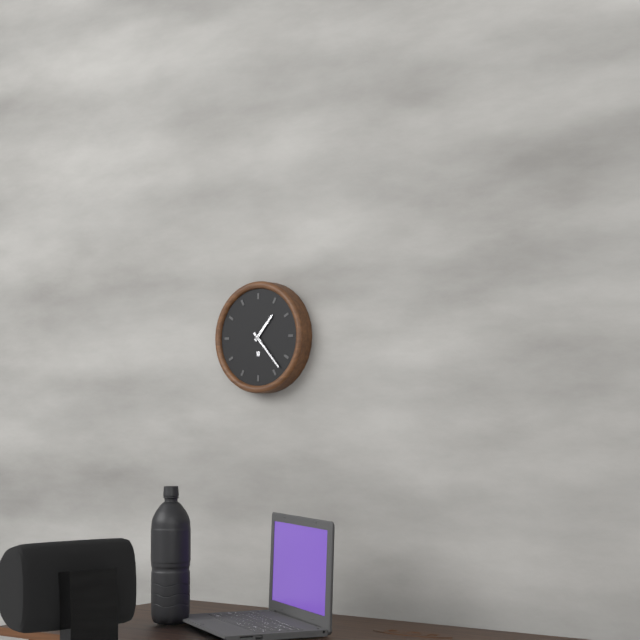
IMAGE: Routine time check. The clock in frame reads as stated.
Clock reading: 1:23
